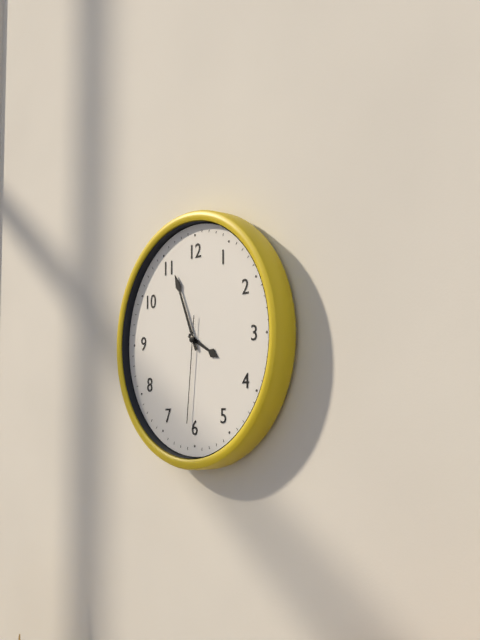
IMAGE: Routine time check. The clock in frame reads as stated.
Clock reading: 3:56:31
